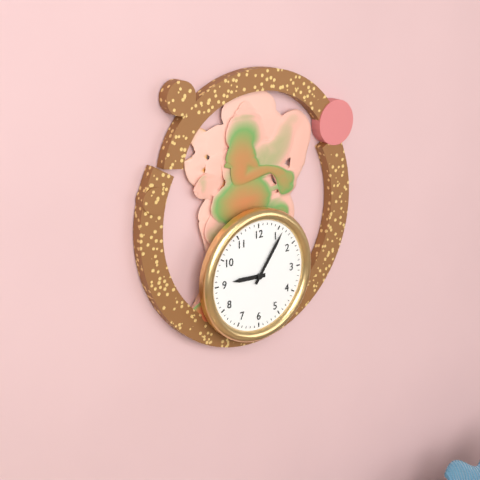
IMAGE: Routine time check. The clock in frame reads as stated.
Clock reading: 9:06
